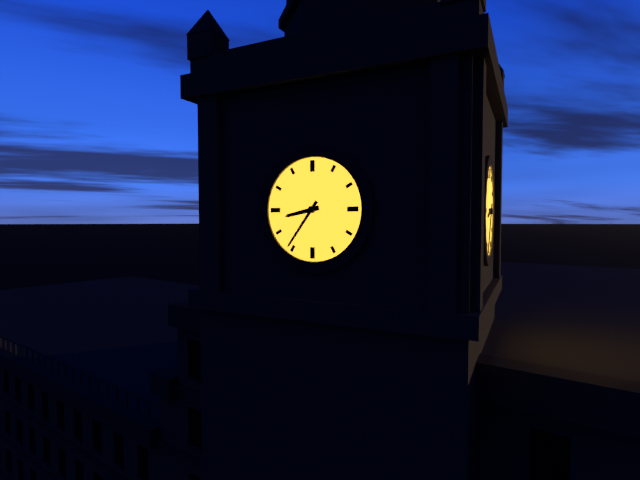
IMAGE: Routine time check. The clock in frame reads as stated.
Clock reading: 8:36
